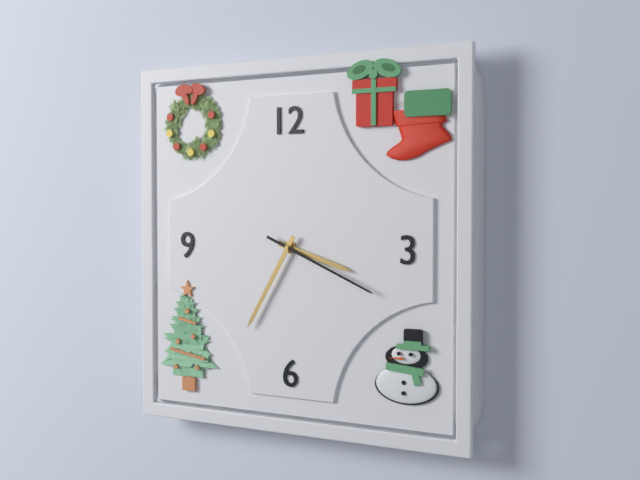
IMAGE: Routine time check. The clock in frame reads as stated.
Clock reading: 3:35:19
